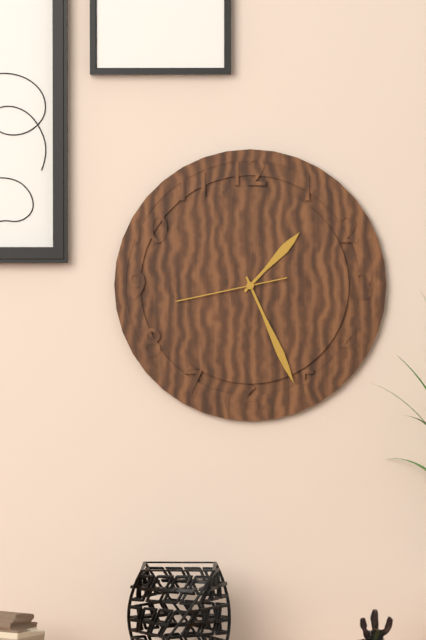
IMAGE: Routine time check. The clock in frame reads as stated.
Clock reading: 1:26:43
